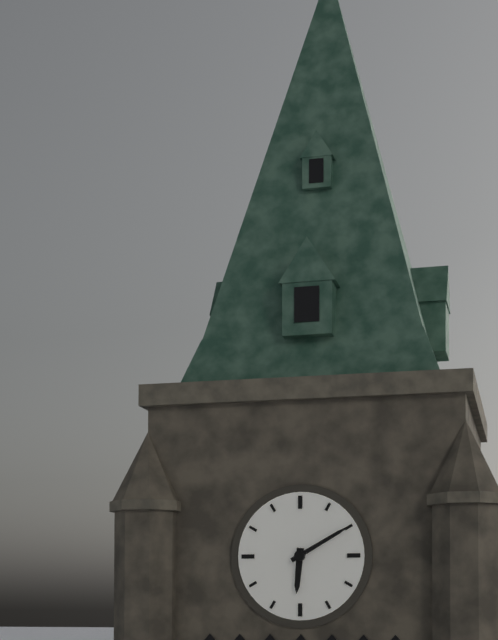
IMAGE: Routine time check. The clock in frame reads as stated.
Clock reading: 6:10
